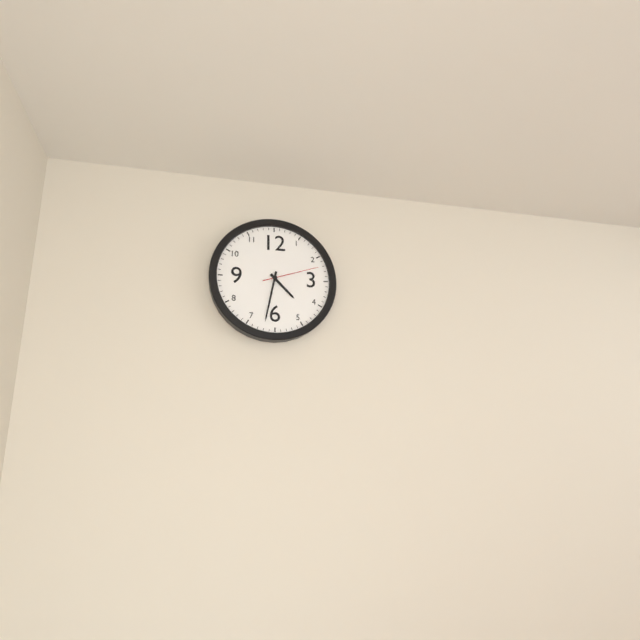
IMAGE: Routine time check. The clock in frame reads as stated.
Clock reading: 4:32:12
